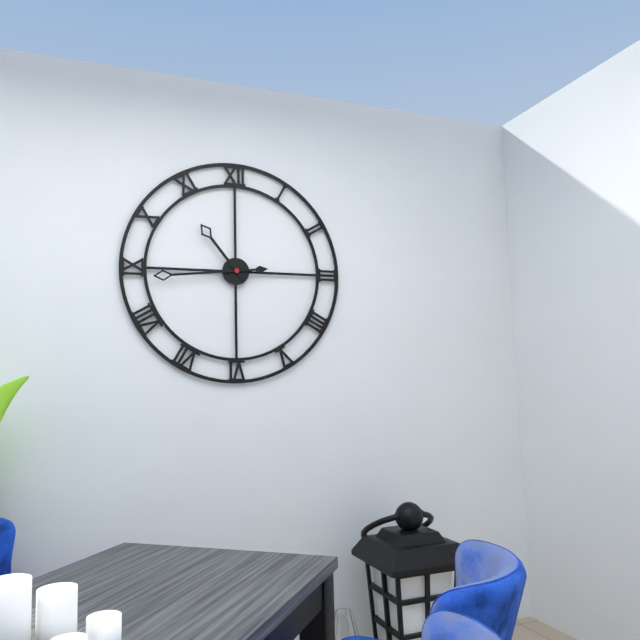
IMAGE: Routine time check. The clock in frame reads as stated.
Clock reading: 10:44
